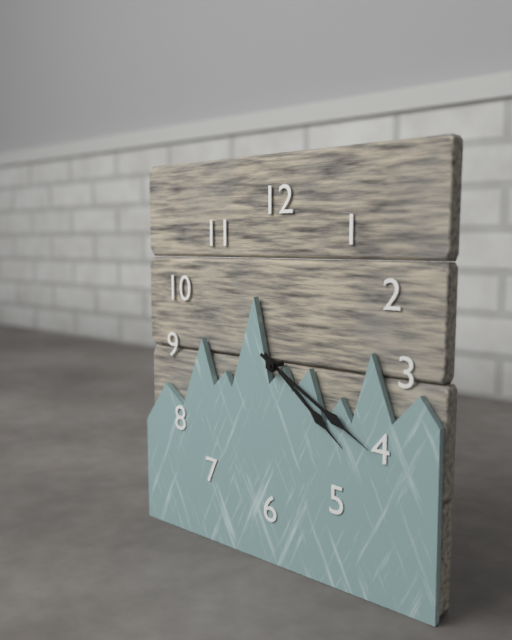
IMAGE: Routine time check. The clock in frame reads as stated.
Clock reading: 4:20
